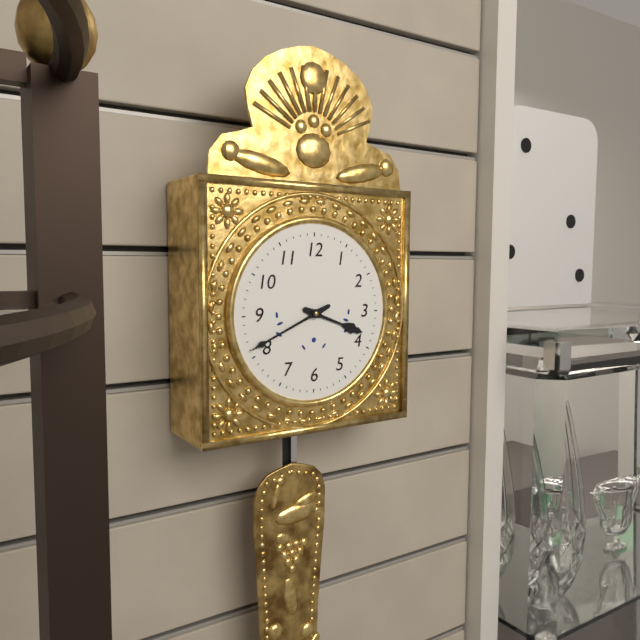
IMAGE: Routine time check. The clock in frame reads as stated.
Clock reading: 3:41
